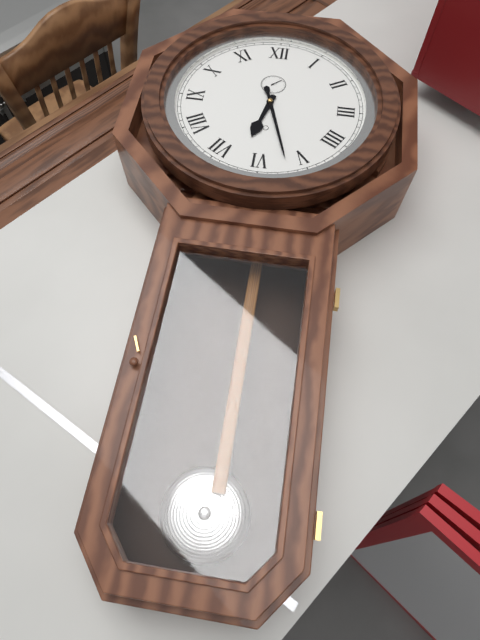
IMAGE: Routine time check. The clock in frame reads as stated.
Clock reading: 6:27
